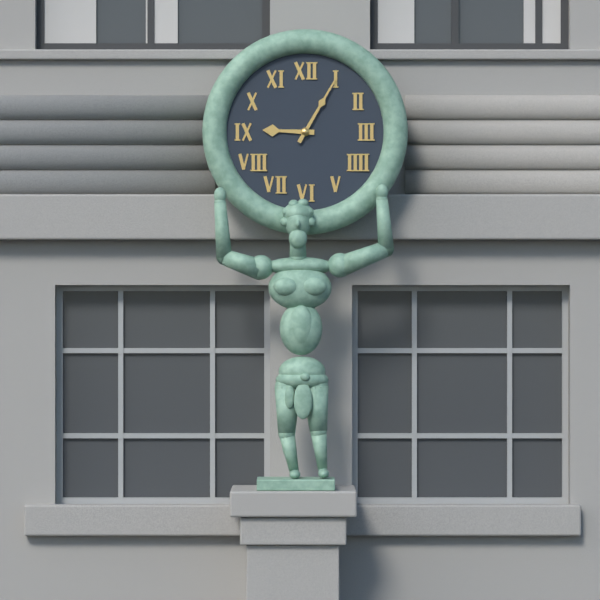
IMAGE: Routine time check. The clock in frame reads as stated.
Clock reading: 9:05
